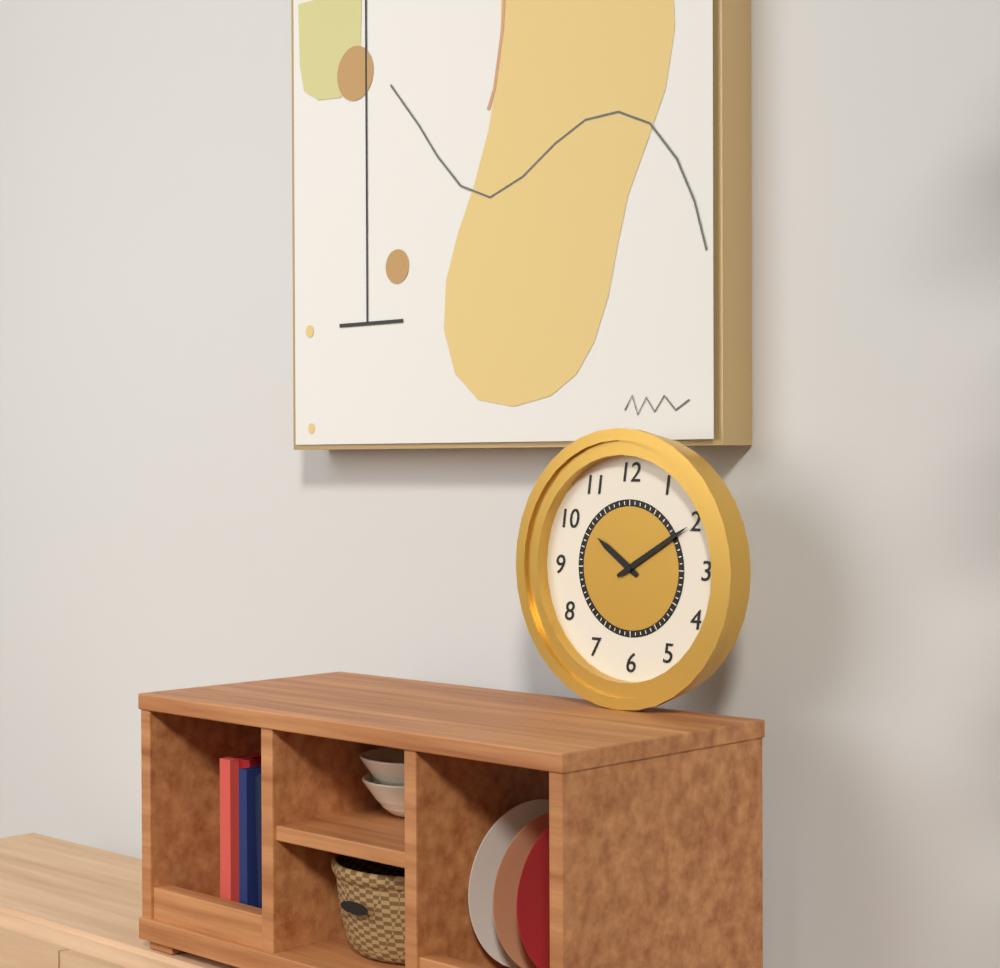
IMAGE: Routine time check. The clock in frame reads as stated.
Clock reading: 10:10
